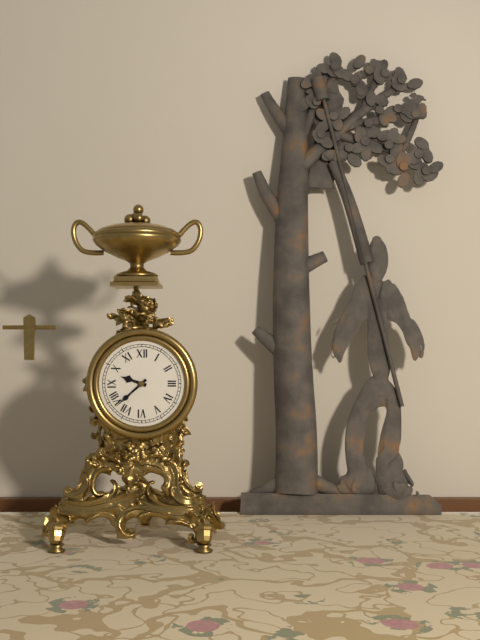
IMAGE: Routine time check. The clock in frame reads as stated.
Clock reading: 9:38
